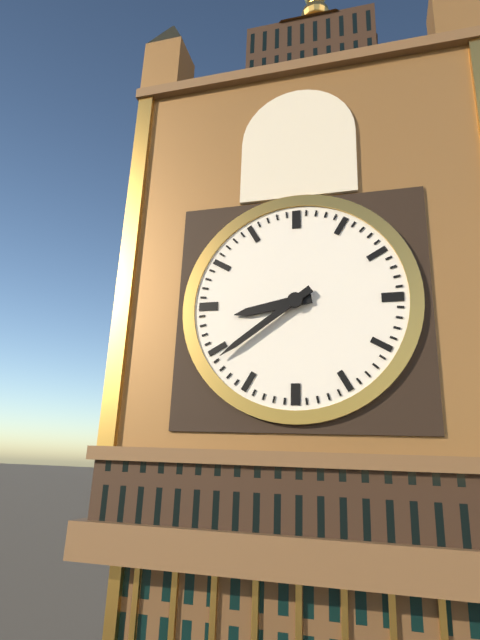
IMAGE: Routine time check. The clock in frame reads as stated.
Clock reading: 8:39
